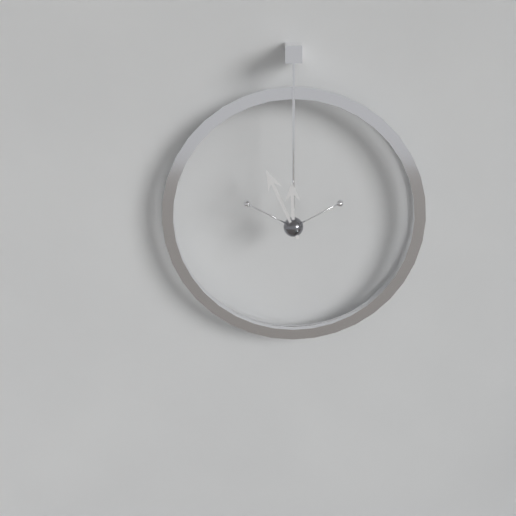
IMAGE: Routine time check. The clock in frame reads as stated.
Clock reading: 11:56
